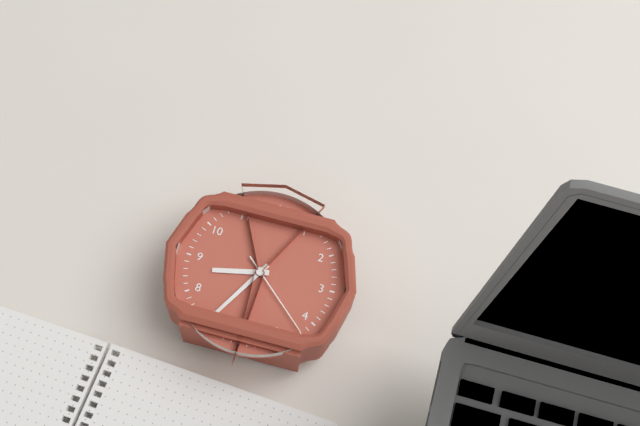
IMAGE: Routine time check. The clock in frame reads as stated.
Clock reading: 8:35:22
